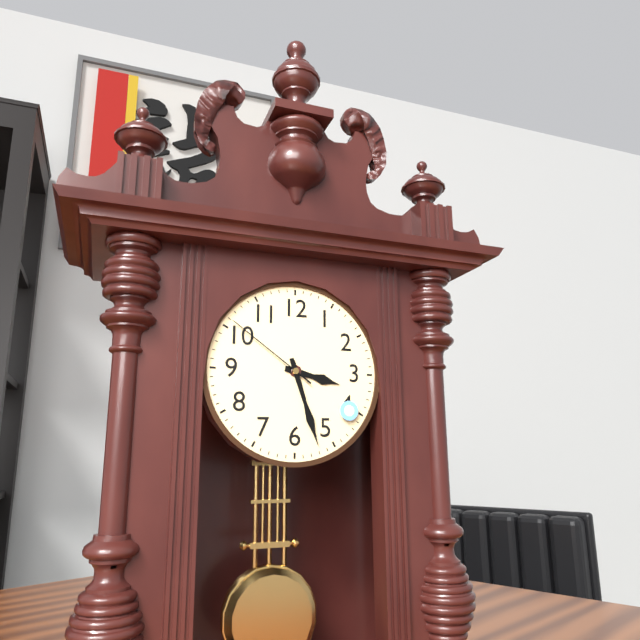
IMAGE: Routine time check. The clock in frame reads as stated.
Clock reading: 3:27:51
